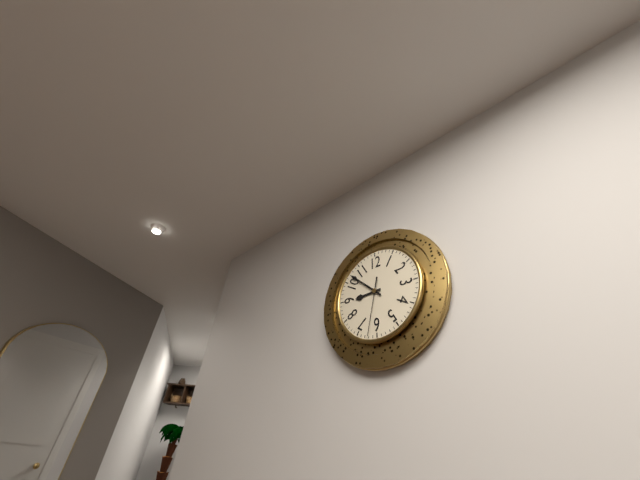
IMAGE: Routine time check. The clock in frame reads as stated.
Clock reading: 8:52:32
